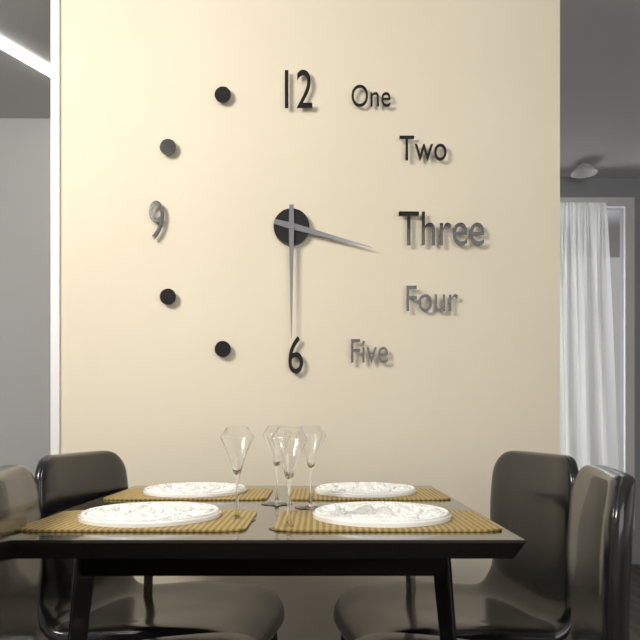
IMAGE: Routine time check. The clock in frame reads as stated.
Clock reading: 3:30
